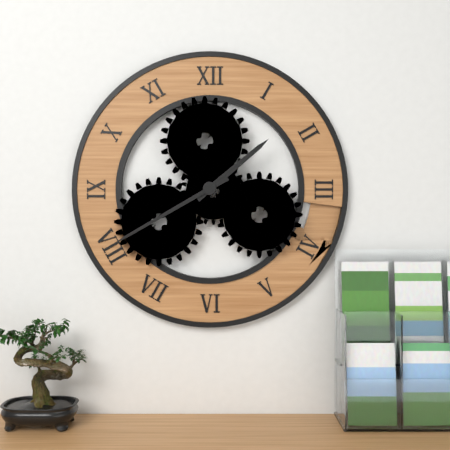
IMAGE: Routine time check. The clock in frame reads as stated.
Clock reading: 1:40
